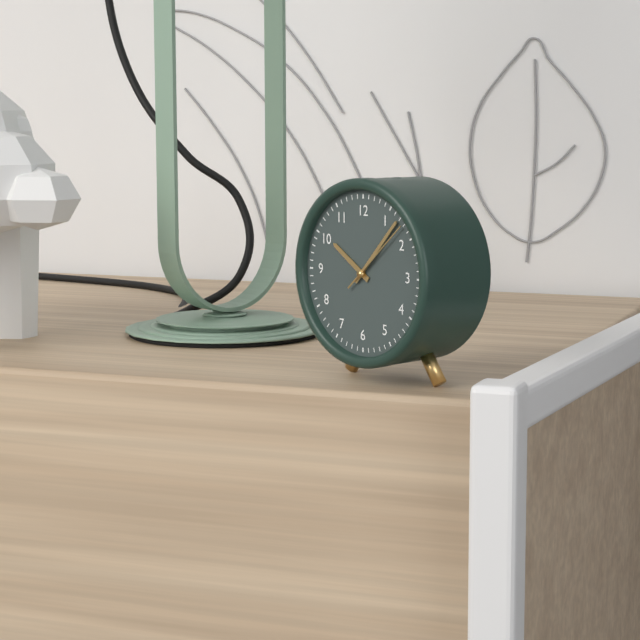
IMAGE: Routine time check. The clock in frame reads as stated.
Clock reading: 10:07:08
